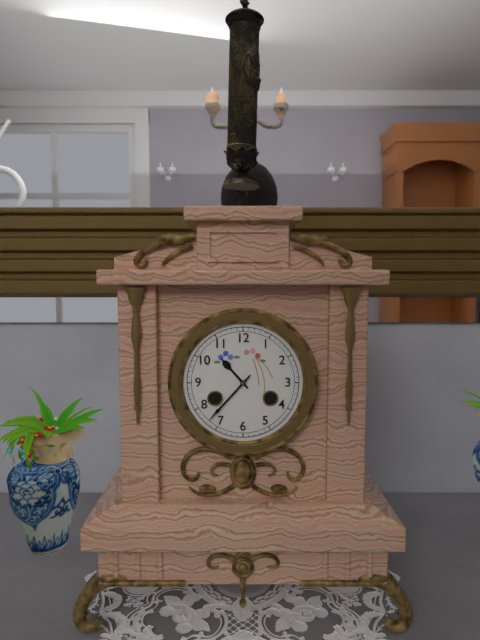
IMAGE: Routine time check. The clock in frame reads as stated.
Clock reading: 10:37
